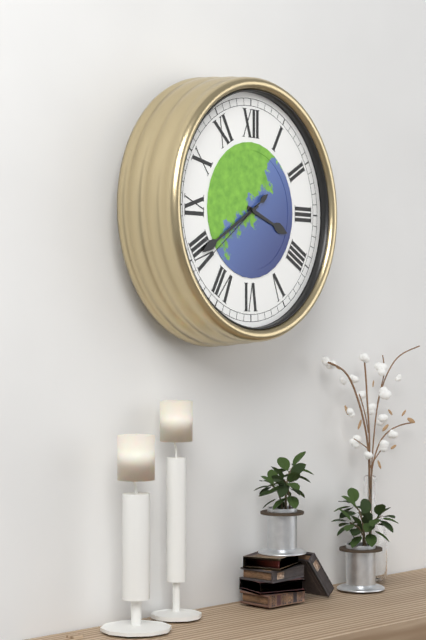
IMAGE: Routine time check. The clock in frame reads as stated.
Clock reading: 3:40:39
